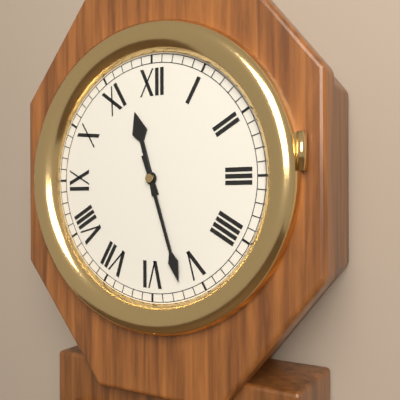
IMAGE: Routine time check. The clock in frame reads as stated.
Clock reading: 11:27
